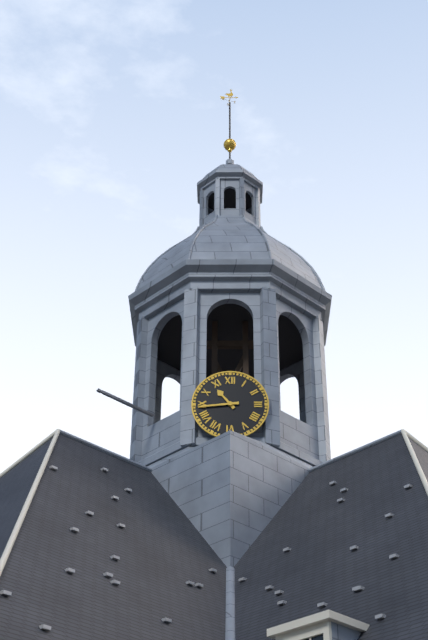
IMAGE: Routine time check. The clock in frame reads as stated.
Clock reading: 10:44
